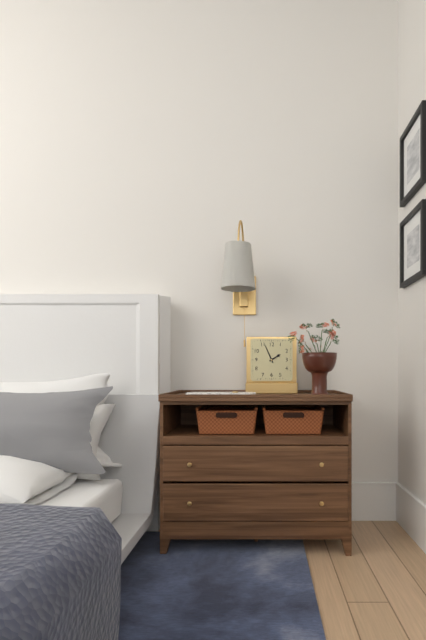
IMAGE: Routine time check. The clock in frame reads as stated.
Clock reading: 1:56
